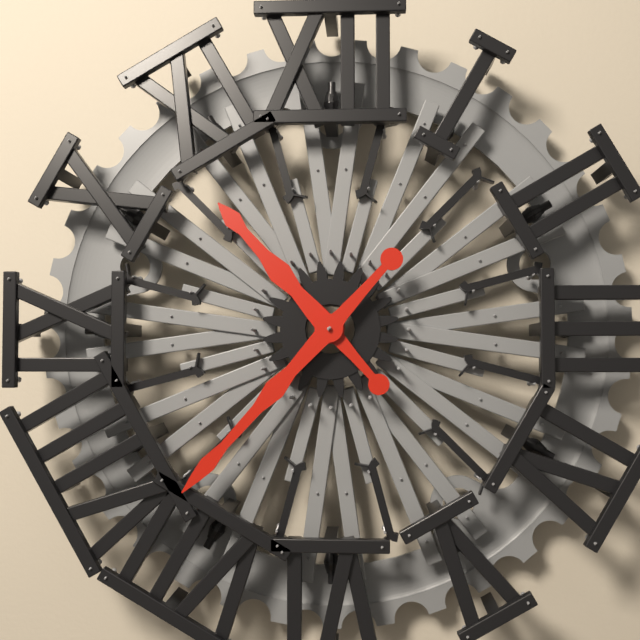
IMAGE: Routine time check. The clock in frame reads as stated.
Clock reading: 10:37
